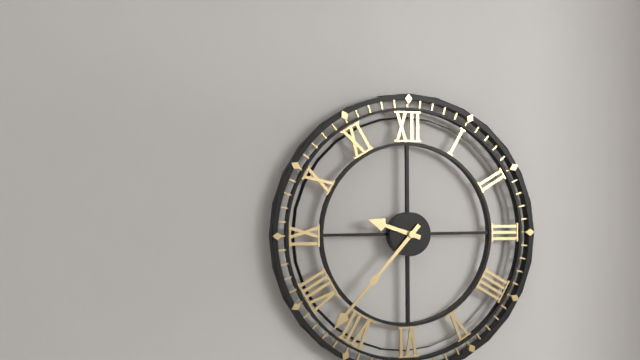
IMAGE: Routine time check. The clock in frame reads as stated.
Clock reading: 9:37
